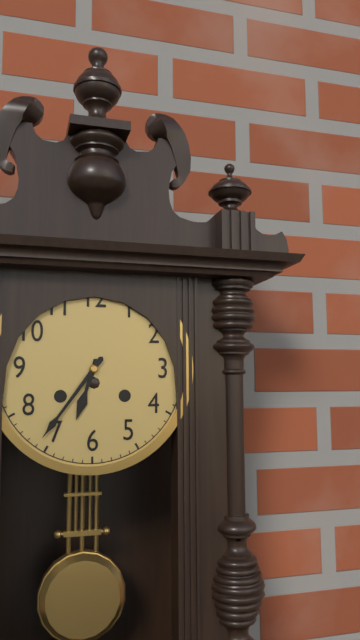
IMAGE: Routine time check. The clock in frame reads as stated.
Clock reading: 6:36
